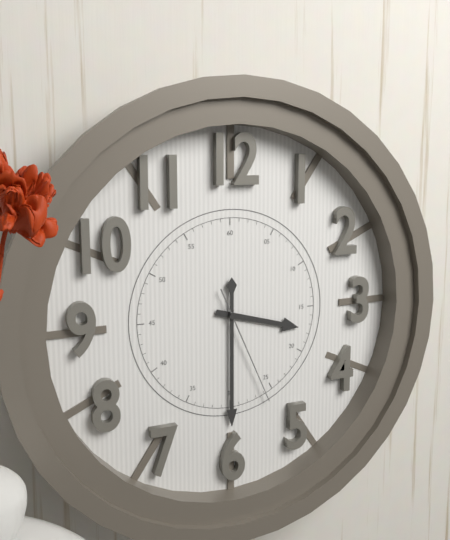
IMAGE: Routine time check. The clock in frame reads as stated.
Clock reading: 3:30:26
